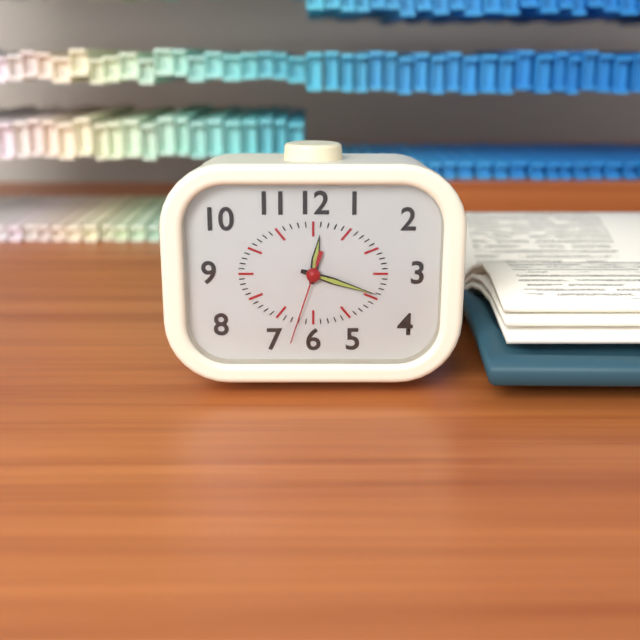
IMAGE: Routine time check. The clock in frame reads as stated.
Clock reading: 12:18:33
